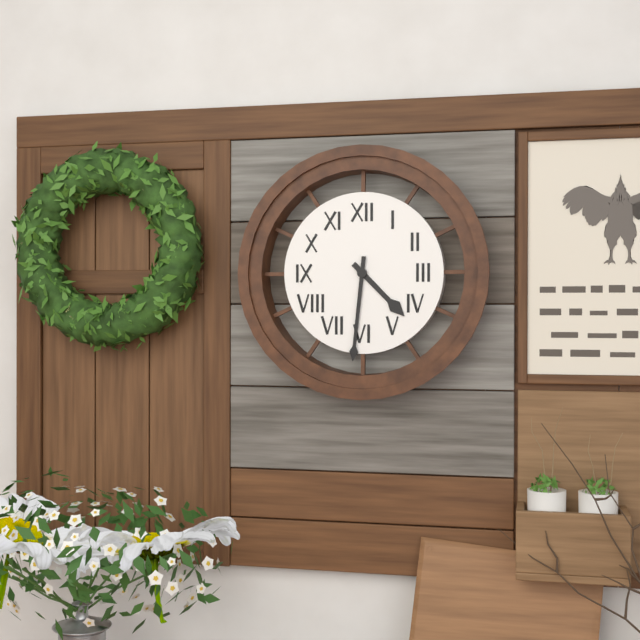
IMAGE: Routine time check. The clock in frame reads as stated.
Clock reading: 4:31
